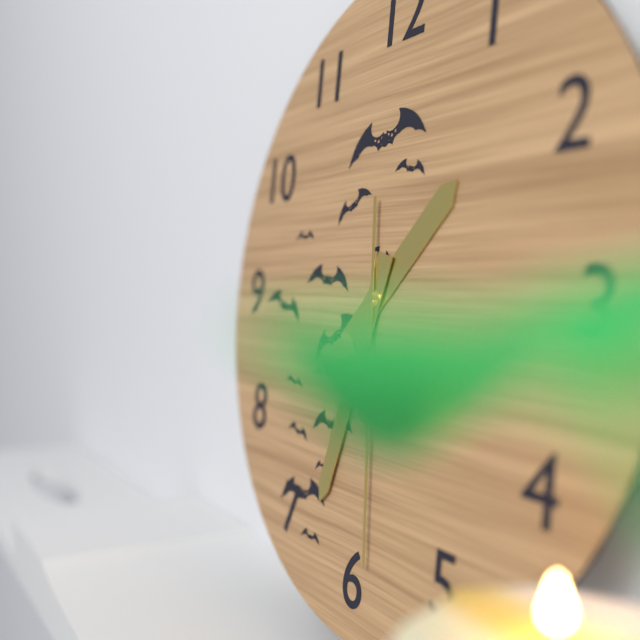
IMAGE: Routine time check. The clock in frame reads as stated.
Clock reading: 1:33:29
